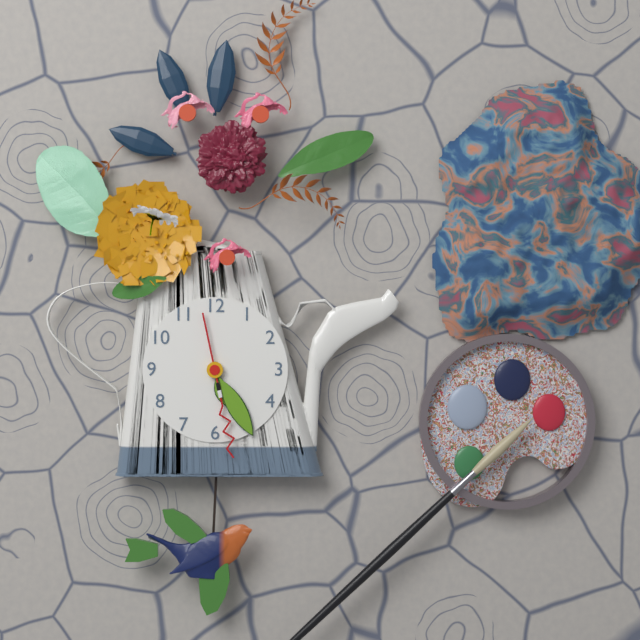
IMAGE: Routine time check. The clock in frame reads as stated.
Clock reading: 5:25:28
